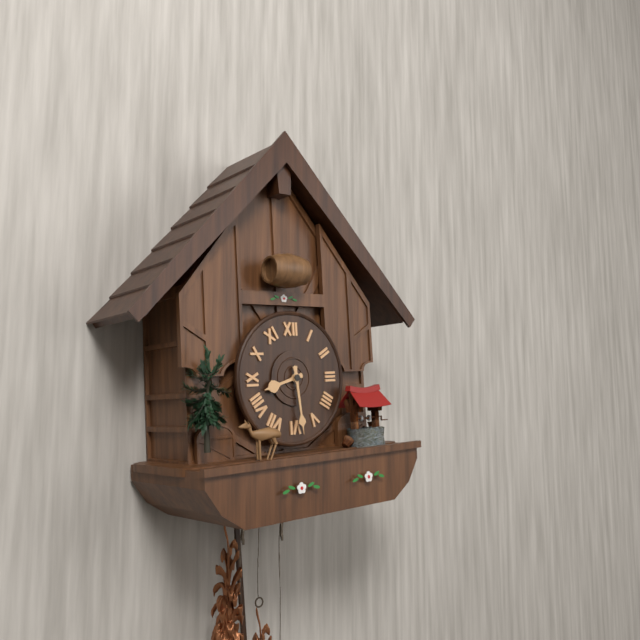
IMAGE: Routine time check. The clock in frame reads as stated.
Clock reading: 8:29
